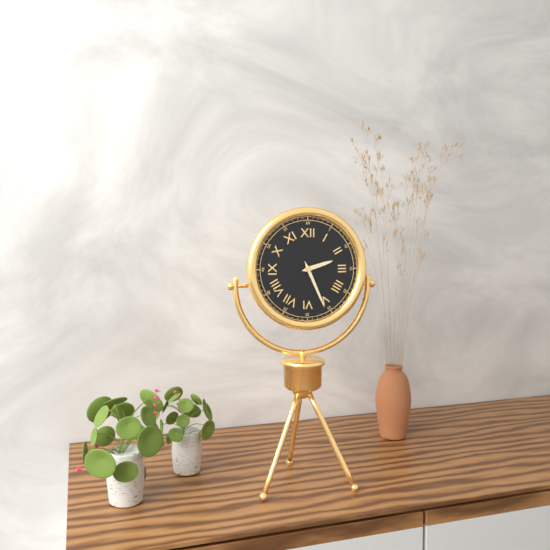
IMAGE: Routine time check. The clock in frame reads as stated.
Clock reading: 2:26
